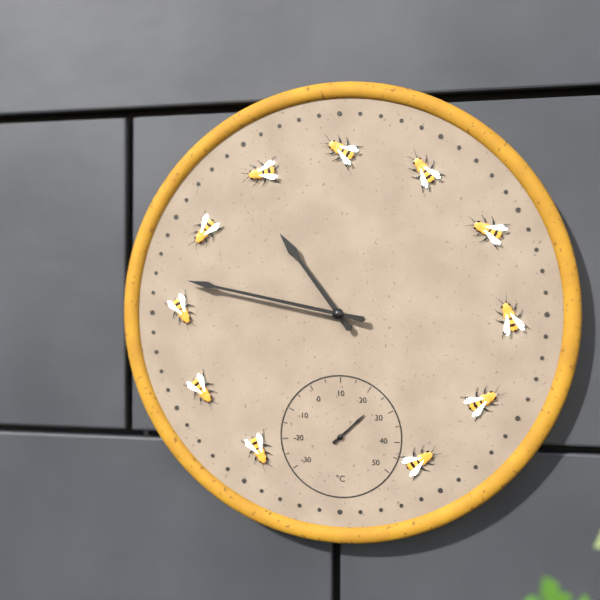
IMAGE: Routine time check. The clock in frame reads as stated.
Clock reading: 10:47
